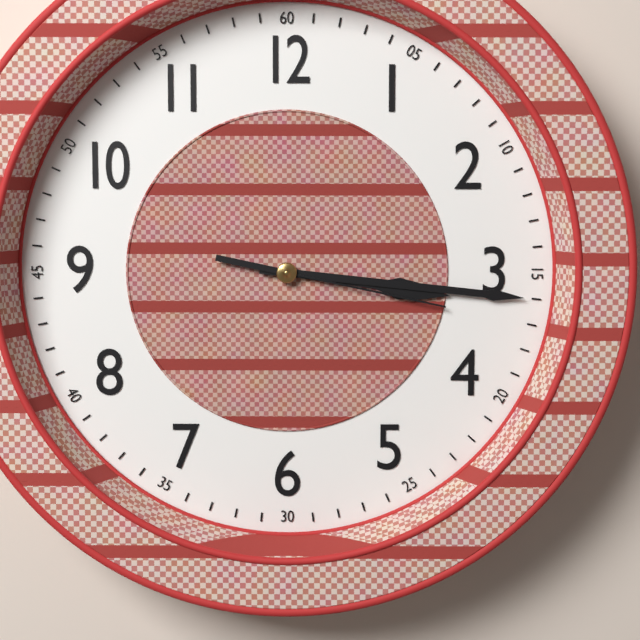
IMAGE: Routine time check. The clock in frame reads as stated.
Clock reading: 3:16:17
